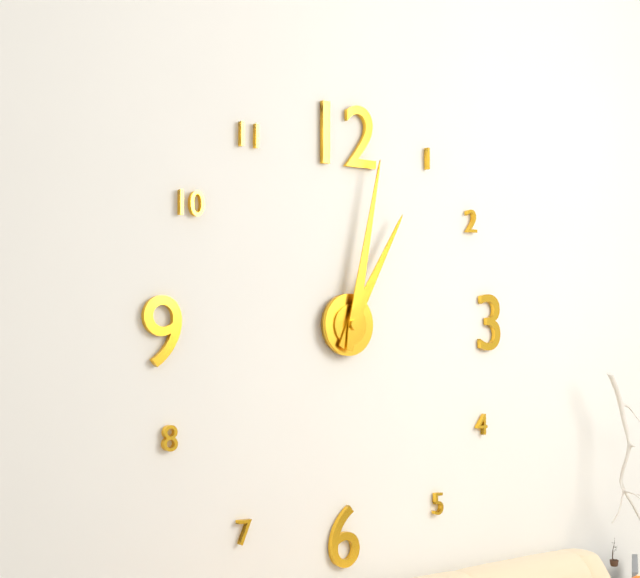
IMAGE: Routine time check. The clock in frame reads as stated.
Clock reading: 1:02
